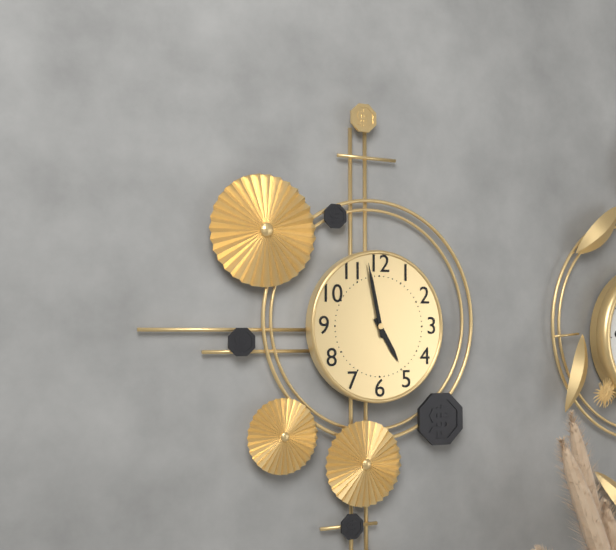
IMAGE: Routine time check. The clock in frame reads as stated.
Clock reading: 4:58
